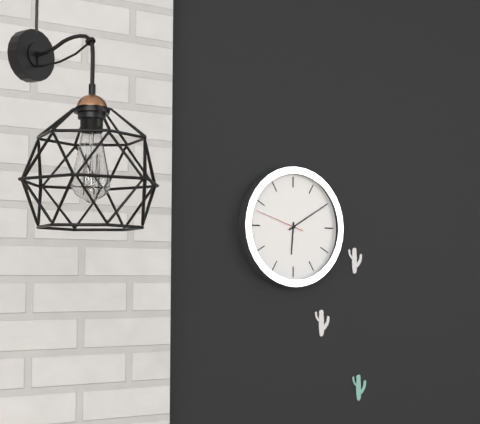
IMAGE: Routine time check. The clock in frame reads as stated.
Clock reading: 6:10
